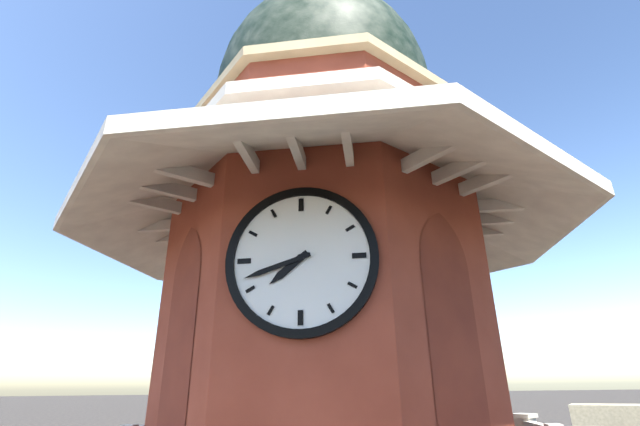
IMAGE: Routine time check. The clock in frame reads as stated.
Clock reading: 7:42
